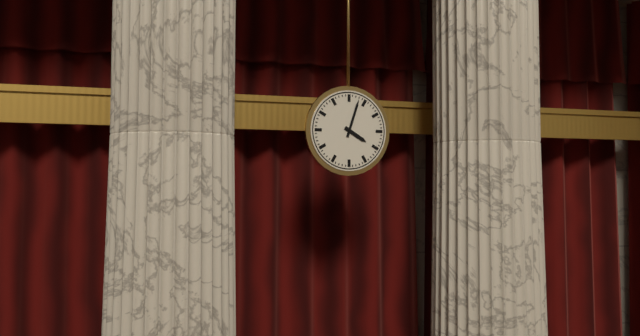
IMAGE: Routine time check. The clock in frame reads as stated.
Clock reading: 4:03
